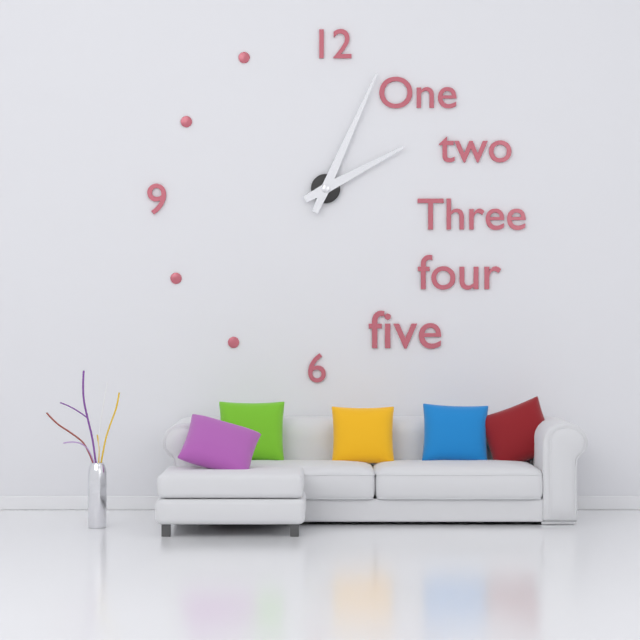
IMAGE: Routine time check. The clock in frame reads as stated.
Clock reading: 2:04
